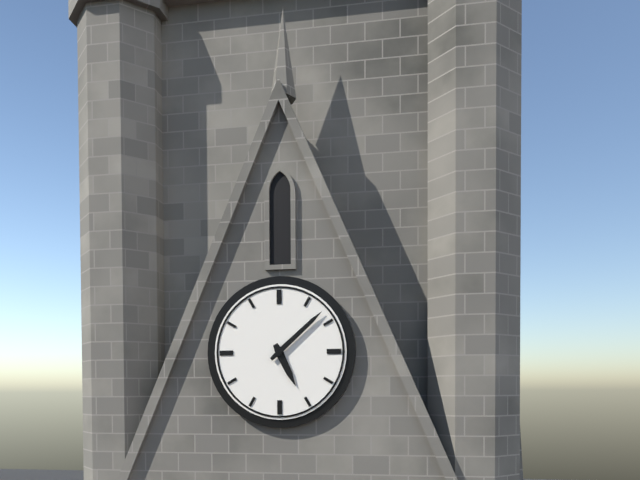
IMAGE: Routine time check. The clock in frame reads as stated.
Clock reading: 5:08
